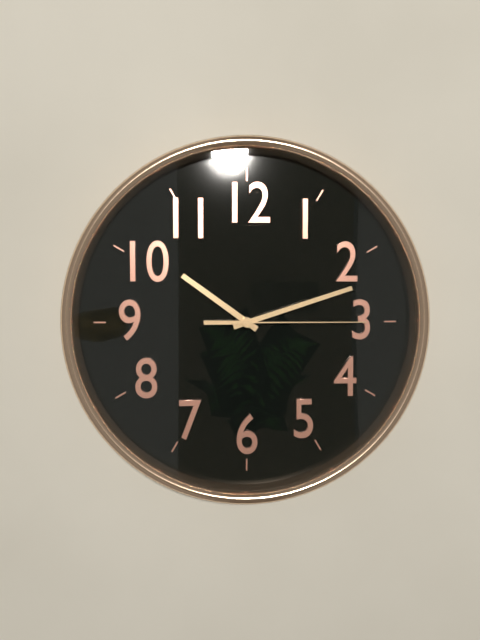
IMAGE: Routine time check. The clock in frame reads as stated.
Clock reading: 10:12:15
